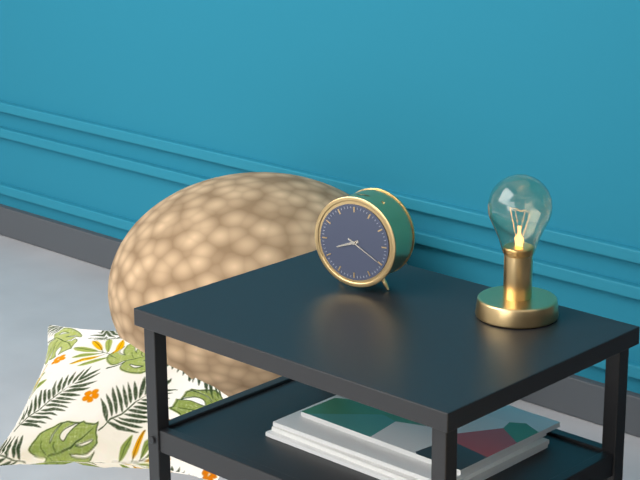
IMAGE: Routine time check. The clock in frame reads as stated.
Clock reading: 8:20
